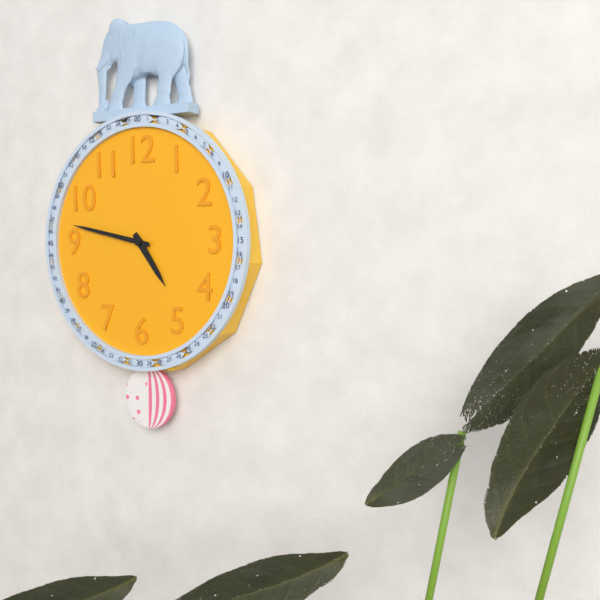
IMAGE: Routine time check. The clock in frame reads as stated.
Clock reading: 4:47
